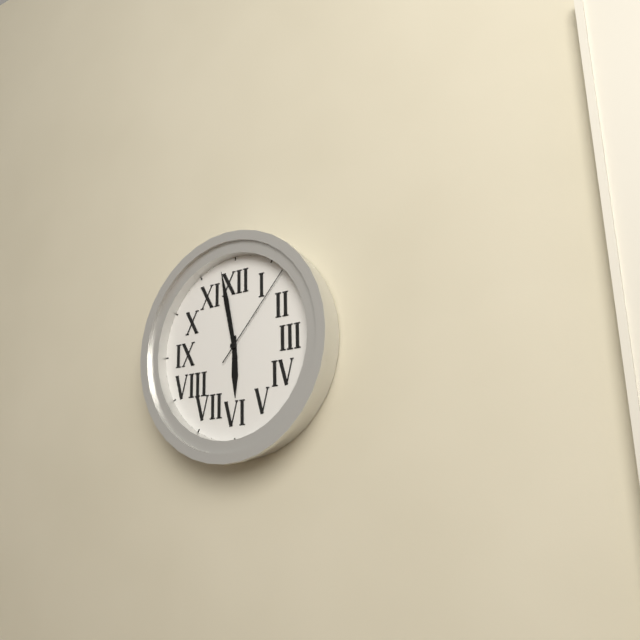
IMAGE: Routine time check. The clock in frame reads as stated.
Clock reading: 5:58:07
